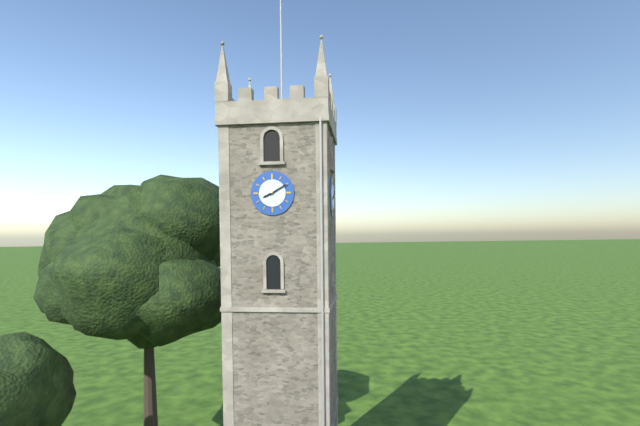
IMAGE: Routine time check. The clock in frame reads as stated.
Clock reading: 8:10
